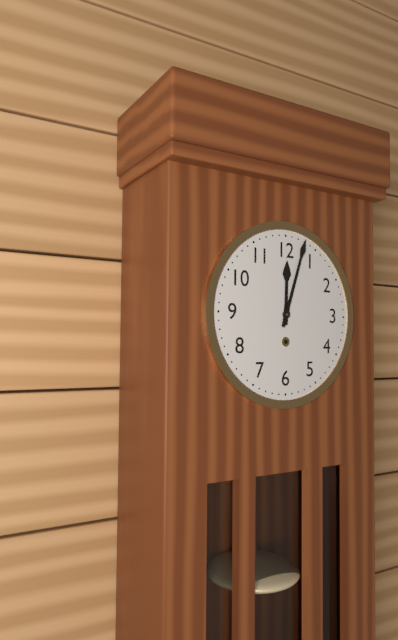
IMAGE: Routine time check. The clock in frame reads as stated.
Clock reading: 12:03
